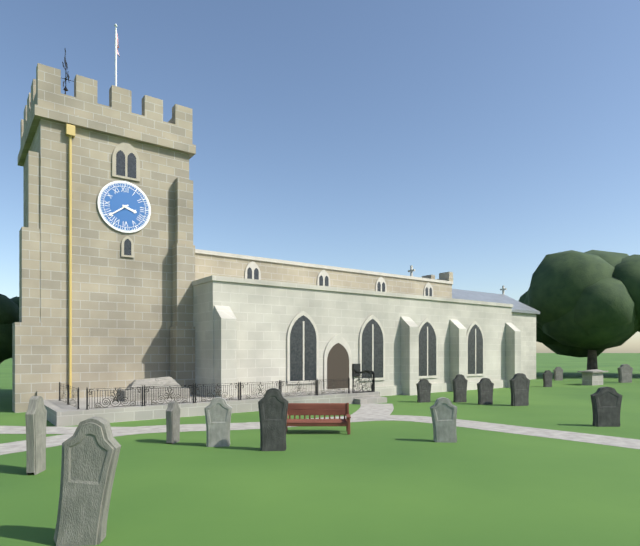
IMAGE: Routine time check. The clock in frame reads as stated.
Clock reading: 3:39
